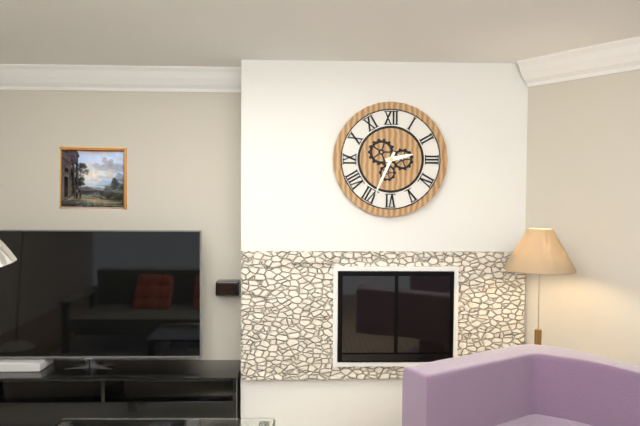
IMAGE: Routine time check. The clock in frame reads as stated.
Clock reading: 2:34
